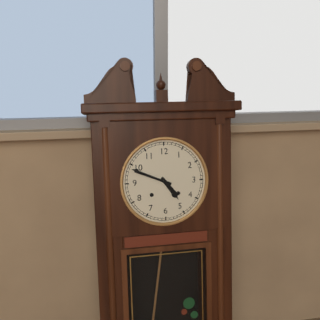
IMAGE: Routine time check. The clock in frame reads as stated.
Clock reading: 4:49
